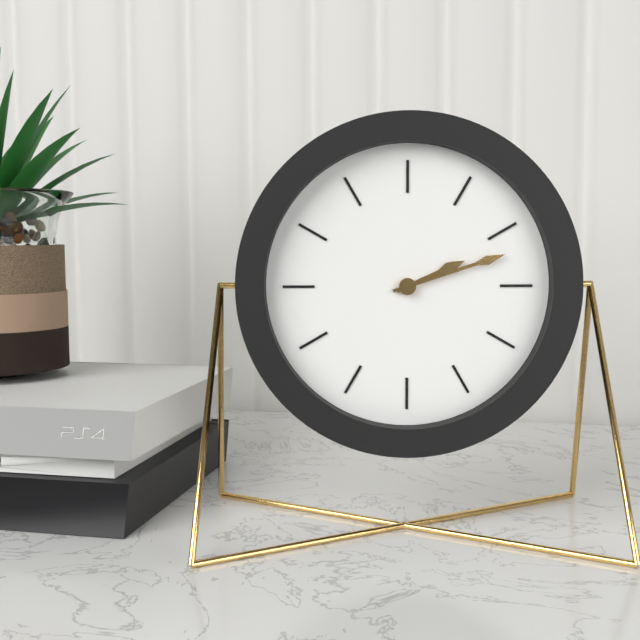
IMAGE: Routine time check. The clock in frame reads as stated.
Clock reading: 2:12
